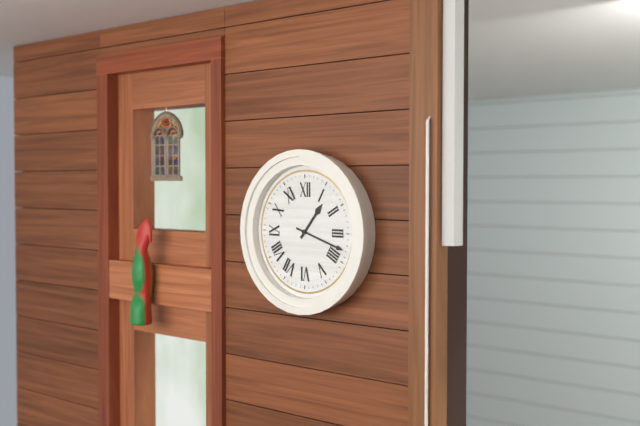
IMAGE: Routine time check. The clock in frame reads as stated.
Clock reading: 1:18
